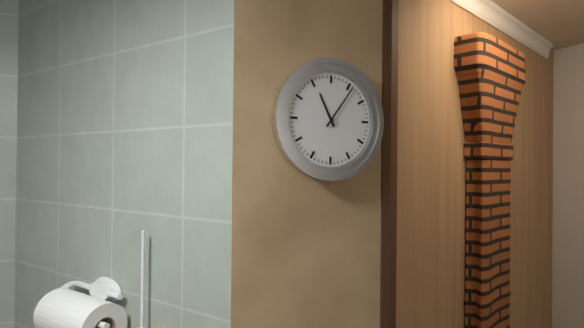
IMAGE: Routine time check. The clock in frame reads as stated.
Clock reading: 11:06
